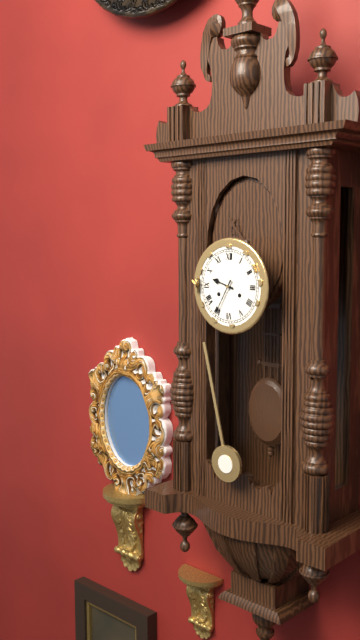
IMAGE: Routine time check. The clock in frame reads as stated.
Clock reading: 9:35
